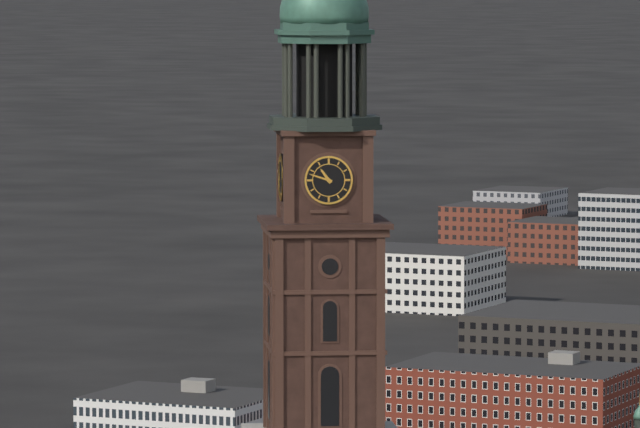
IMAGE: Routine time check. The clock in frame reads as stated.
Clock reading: 10:48
